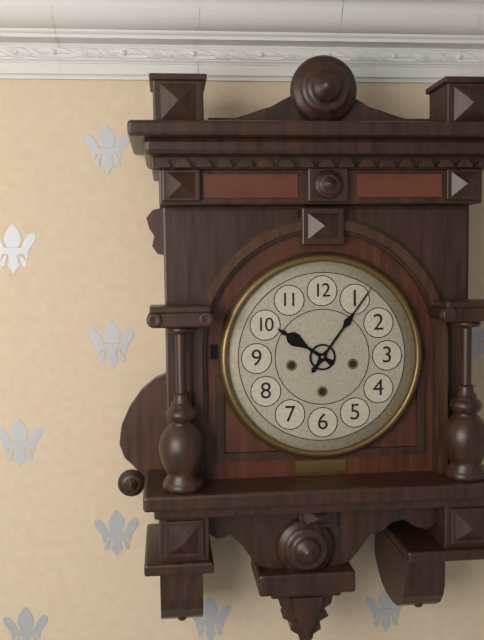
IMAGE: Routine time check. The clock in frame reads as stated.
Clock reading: 10:06
